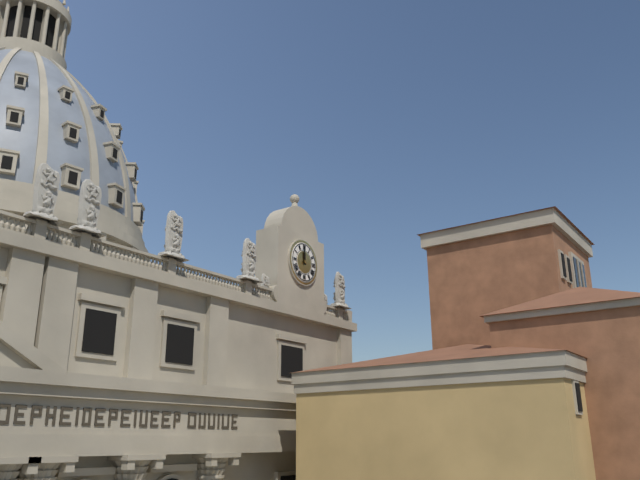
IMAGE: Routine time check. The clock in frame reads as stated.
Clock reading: 11:59
